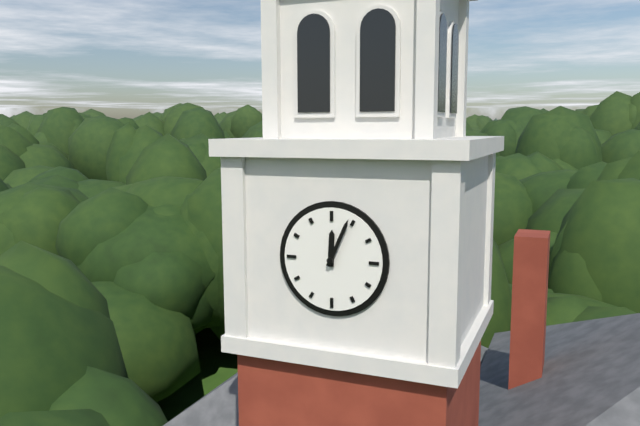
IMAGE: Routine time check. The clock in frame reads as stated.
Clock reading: 12:04
